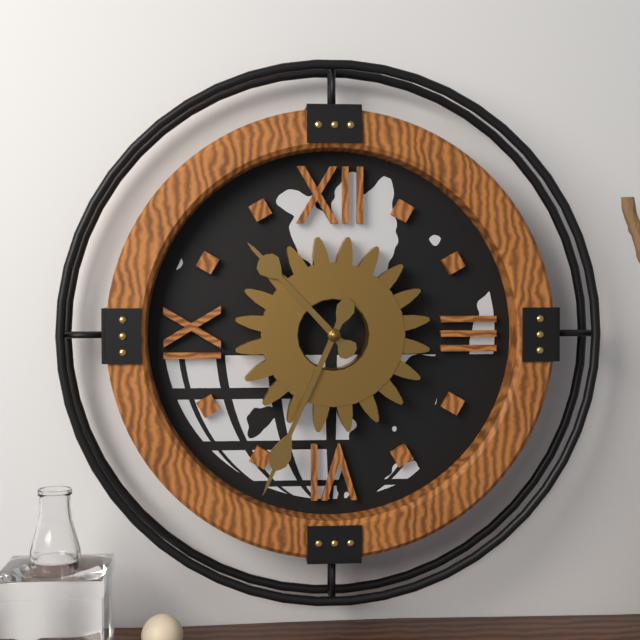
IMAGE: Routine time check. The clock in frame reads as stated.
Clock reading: 10:34
